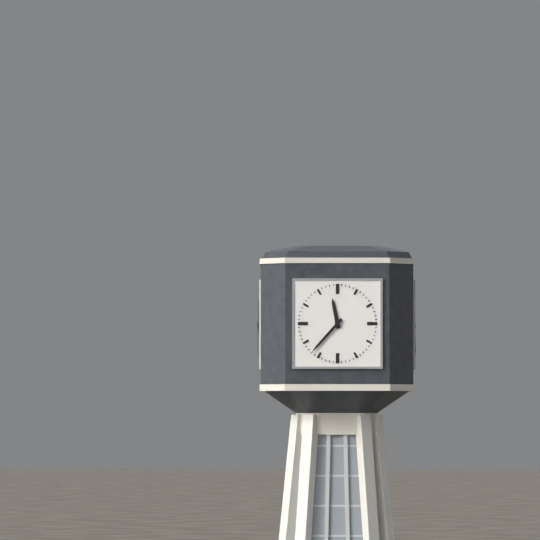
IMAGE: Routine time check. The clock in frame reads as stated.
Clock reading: 11:37
